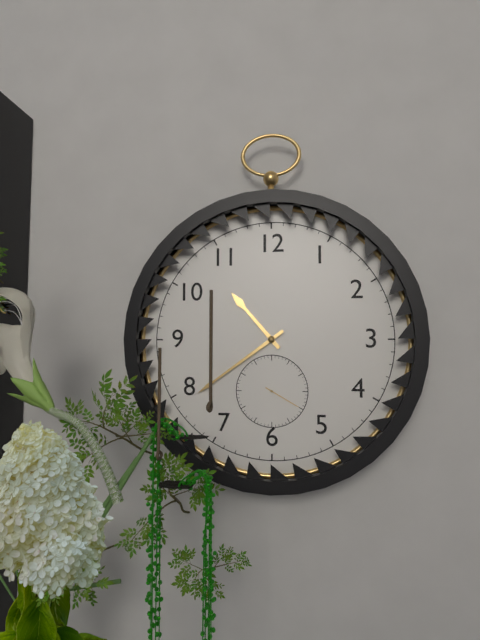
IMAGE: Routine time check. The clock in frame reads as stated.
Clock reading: 10:39
